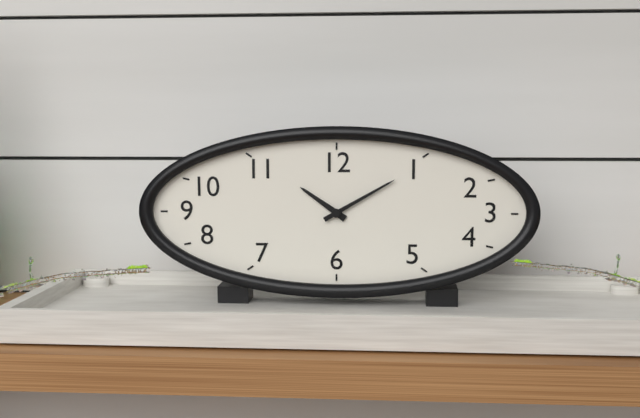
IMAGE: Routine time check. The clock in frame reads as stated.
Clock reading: 10:10
